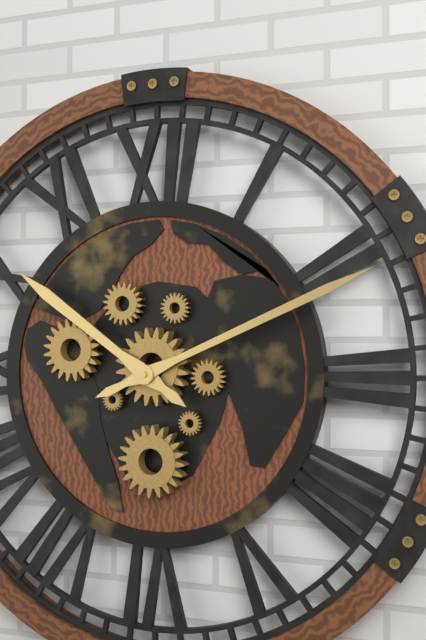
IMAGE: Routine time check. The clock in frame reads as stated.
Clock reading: 10:11
